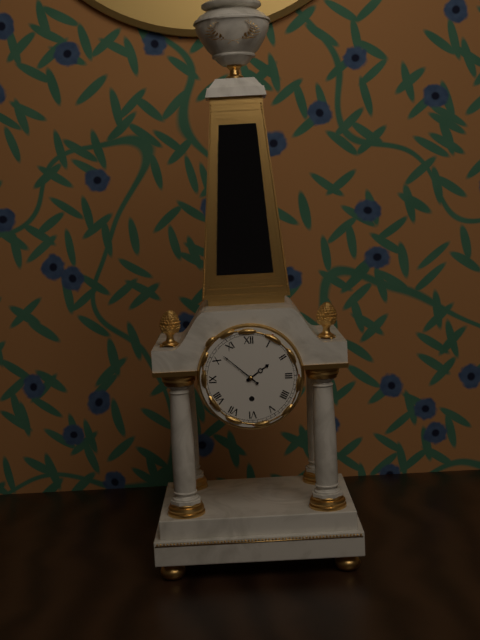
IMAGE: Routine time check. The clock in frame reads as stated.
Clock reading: 1:52
